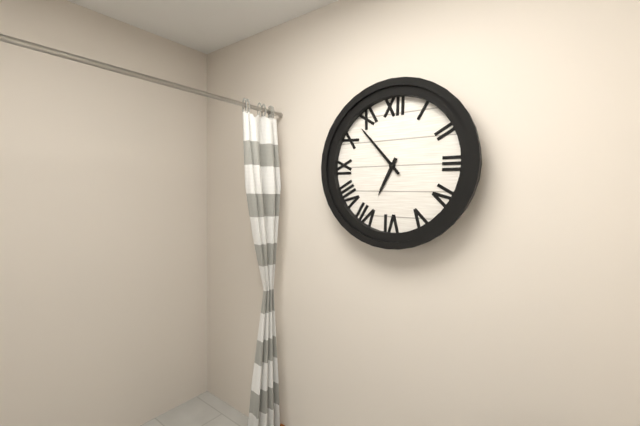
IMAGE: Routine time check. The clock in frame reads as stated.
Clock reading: 6:53
